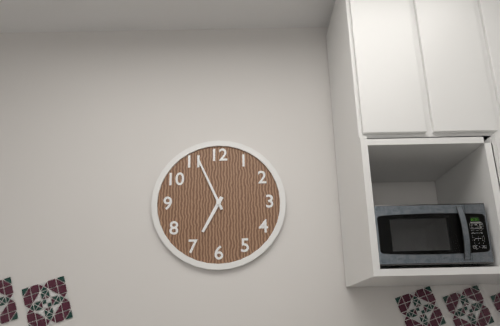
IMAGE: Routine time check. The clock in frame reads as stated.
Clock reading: 6:56
